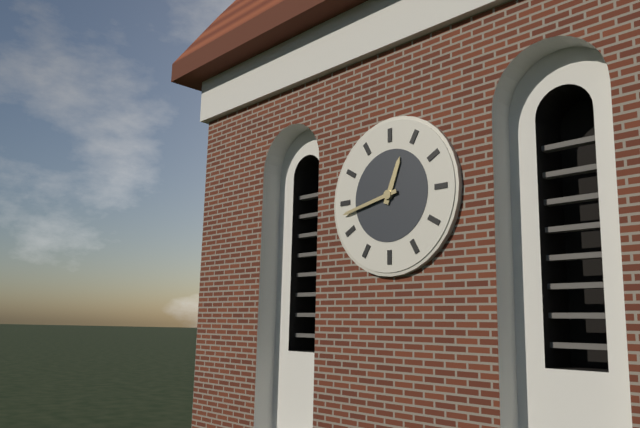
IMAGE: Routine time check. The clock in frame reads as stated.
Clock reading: 12:43
